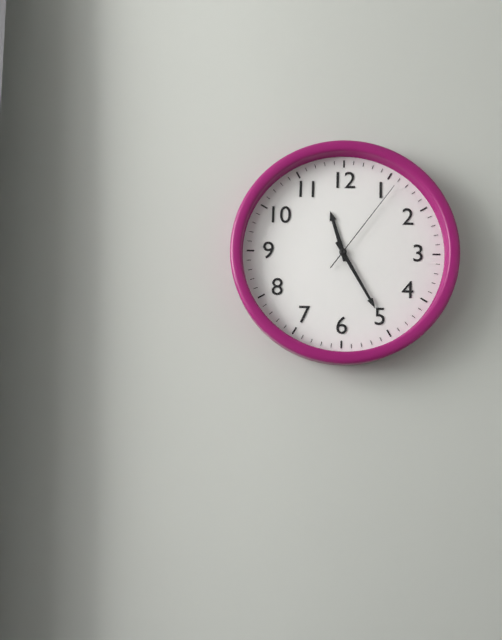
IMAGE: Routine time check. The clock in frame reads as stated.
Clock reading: 11:25:06
